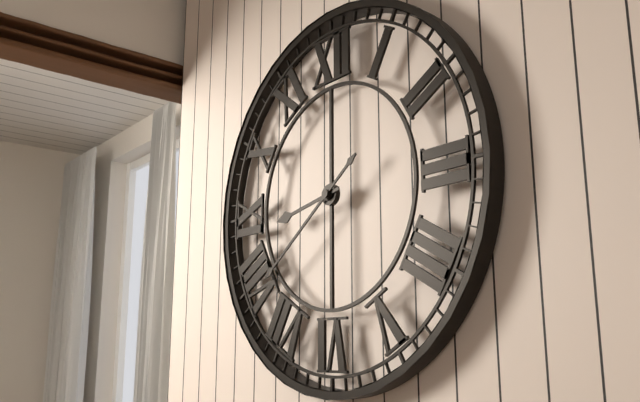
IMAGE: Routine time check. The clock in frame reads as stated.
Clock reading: 8:39
